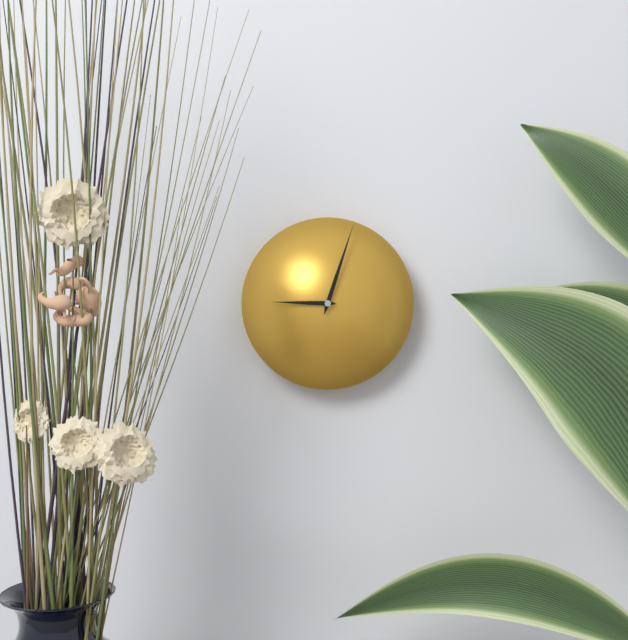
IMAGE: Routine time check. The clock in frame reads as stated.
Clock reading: 9:03
